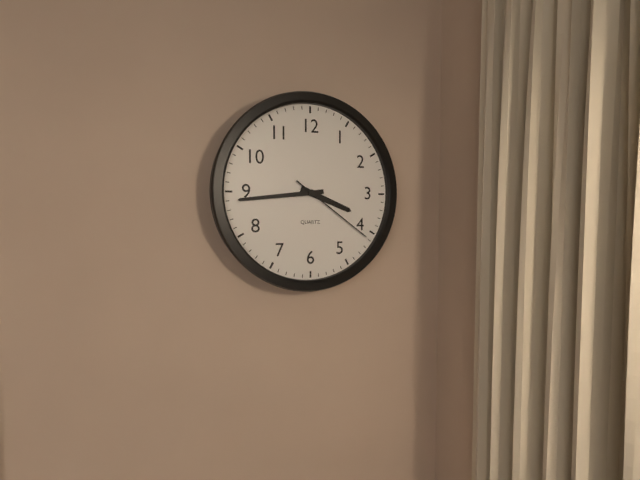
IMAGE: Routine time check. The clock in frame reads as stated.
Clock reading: 3:44:21
